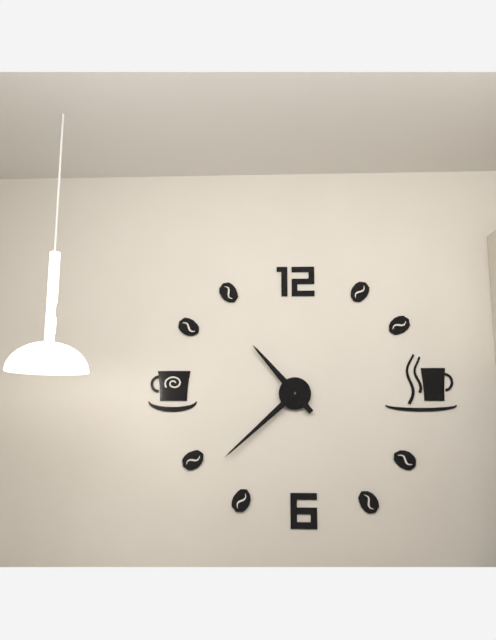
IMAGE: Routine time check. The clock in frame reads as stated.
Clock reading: 10:38
